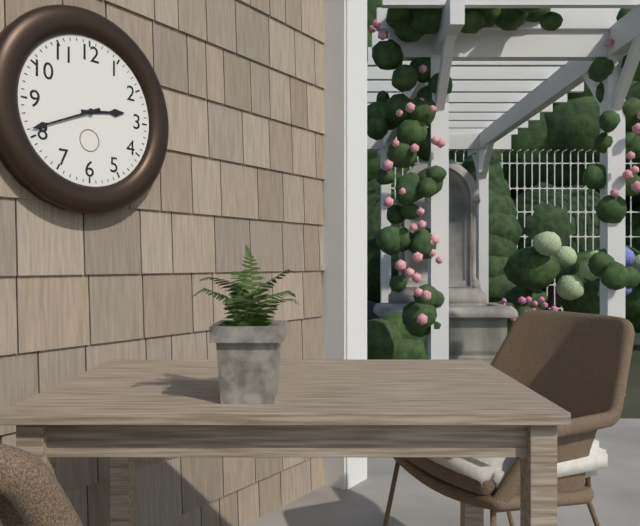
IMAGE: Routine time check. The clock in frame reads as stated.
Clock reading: 2:41
